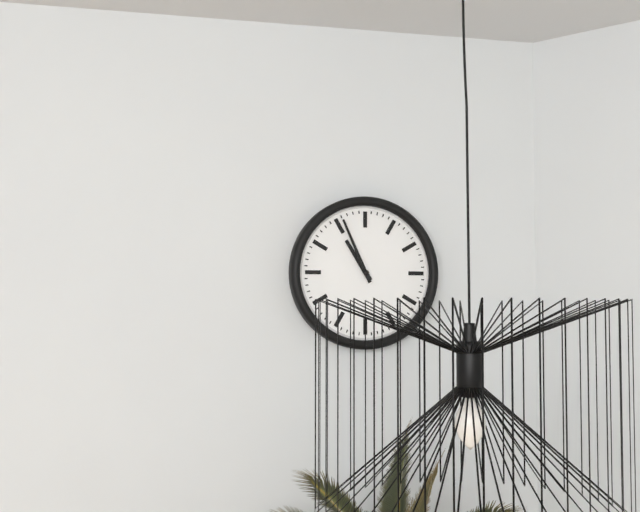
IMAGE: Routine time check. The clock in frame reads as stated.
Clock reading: 10:56
